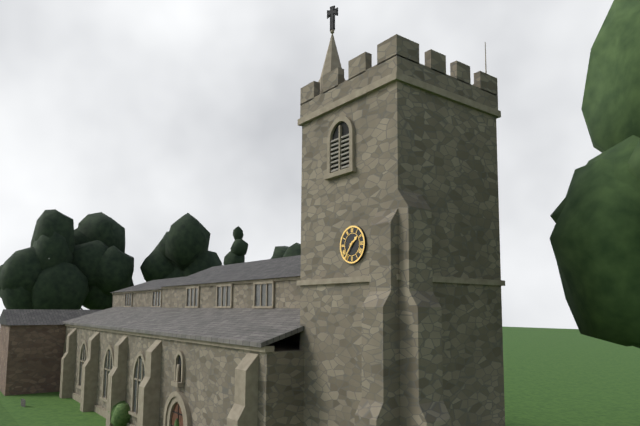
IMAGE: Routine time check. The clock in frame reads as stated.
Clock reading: 1:36
